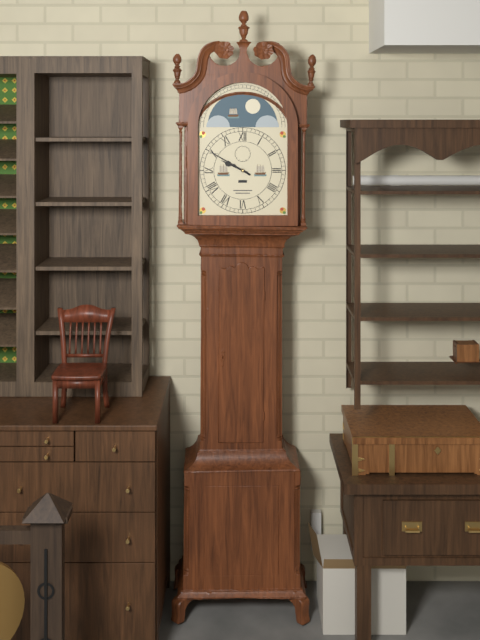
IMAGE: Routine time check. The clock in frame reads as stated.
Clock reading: 9:50
